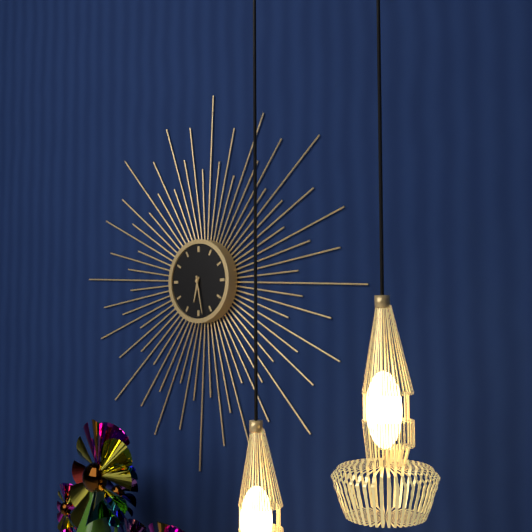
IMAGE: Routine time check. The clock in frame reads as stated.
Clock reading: 6:28
